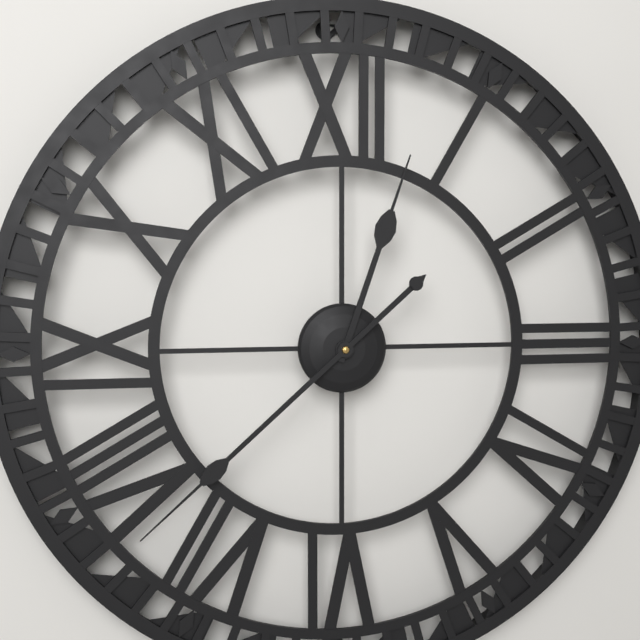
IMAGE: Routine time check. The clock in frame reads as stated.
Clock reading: 12:38
